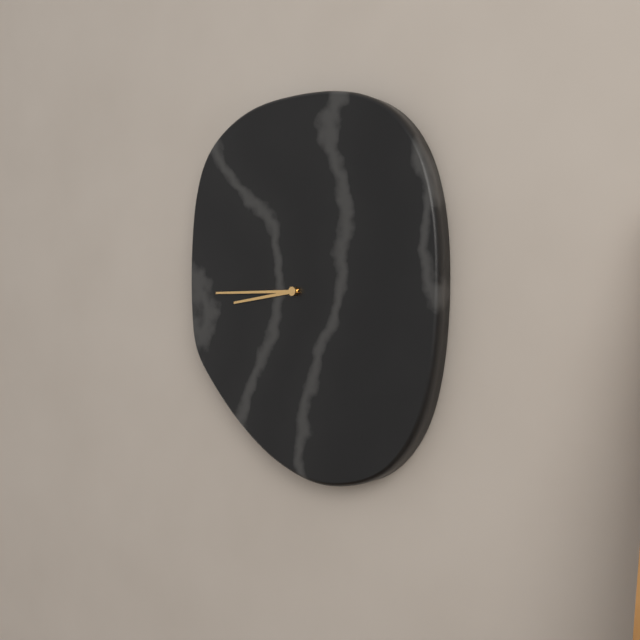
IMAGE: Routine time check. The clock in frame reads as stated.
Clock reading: 8:45
